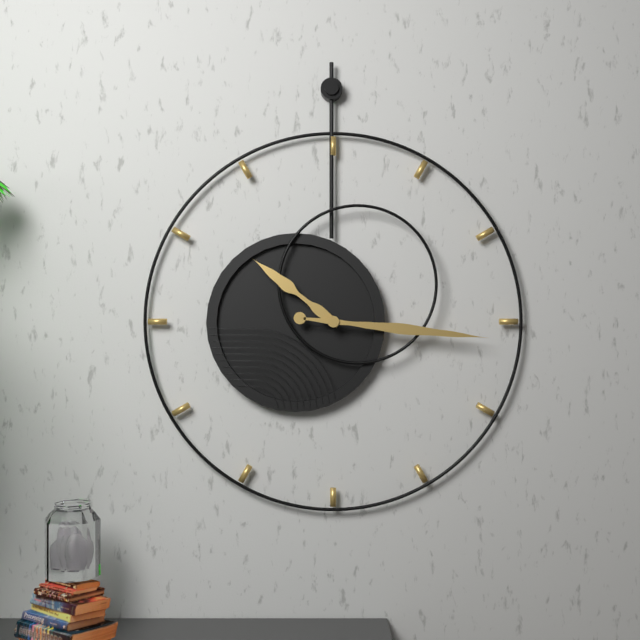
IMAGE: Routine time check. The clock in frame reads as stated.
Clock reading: 10:16
